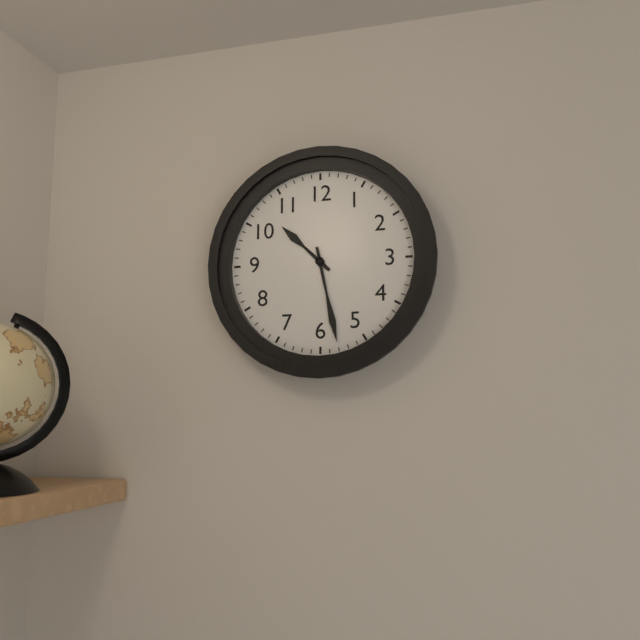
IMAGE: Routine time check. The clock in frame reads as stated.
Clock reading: 10:28
